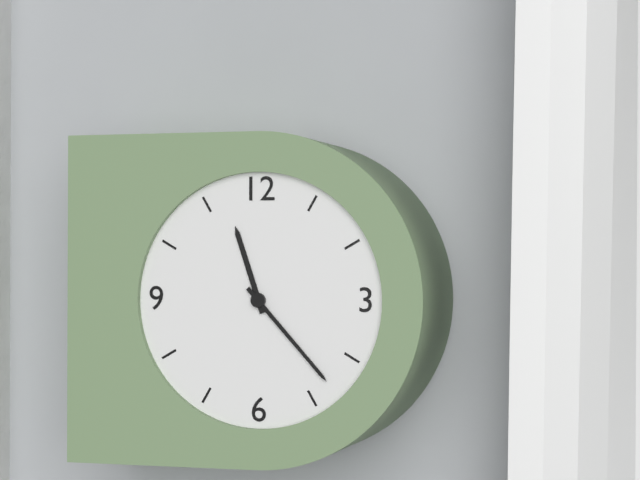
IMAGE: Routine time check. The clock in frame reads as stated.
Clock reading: 11:23
